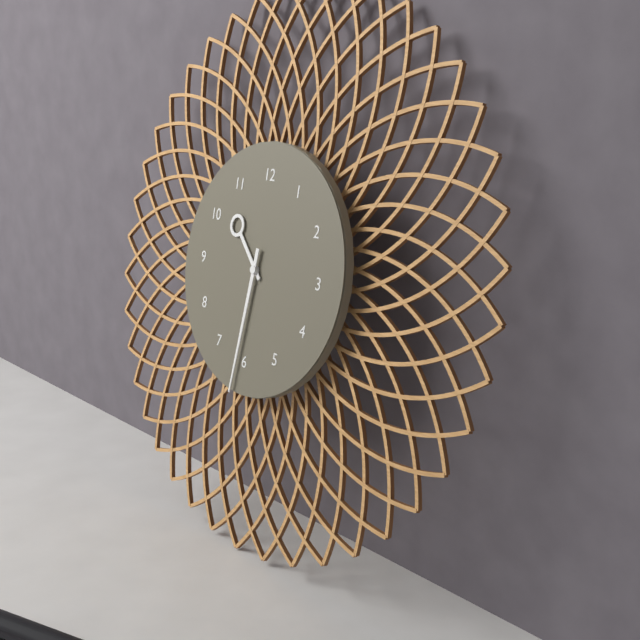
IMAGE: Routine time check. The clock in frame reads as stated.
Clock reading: 10:31
